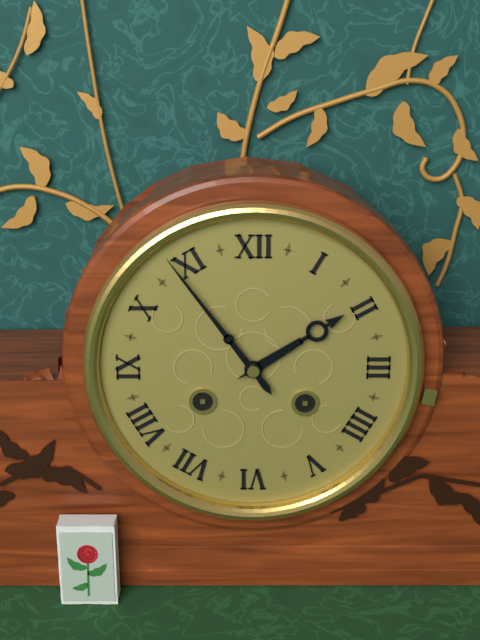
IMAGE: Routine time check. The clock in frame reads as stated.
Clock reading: 1:54
